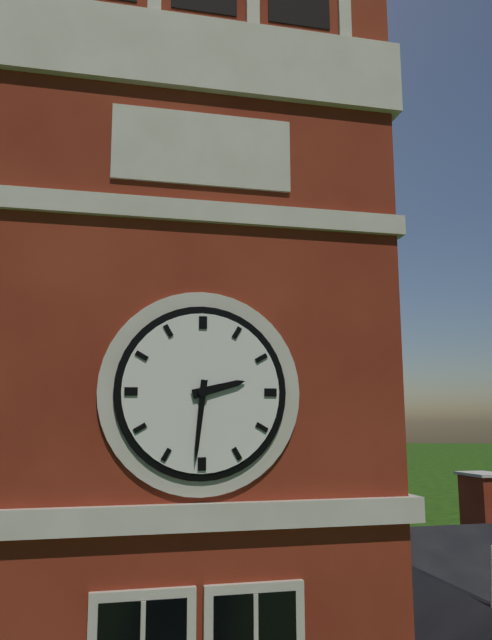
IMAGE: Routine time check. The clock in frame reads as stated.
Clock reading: 2:31
